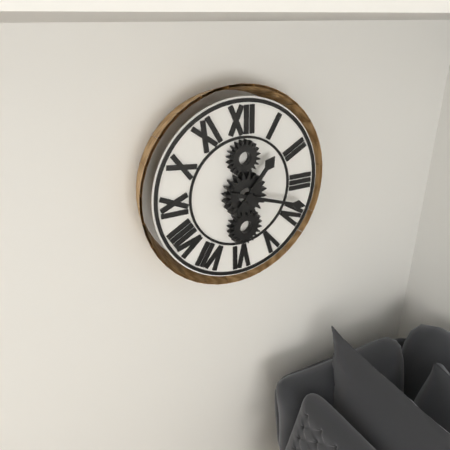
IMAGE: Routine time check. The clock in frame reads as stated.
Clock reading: 1:18
